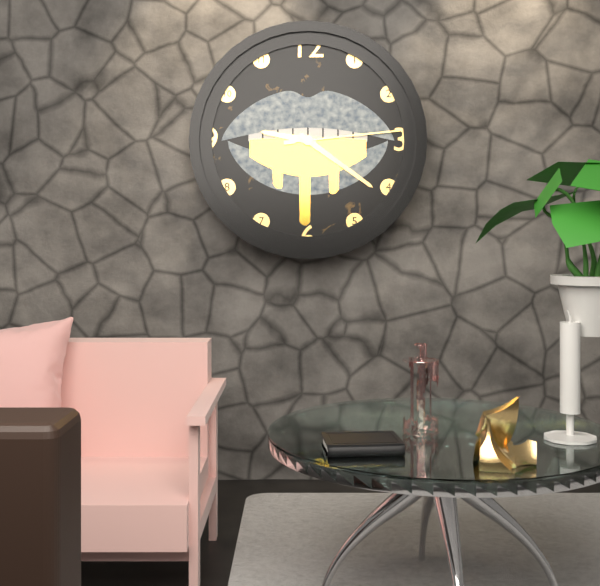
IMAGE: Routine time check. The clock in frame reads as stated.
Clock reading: 9:21:14
